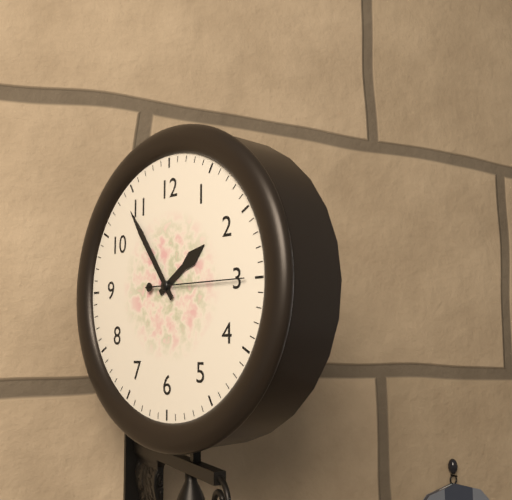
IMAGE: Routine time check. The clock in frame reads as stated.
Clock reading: 1:54:15
